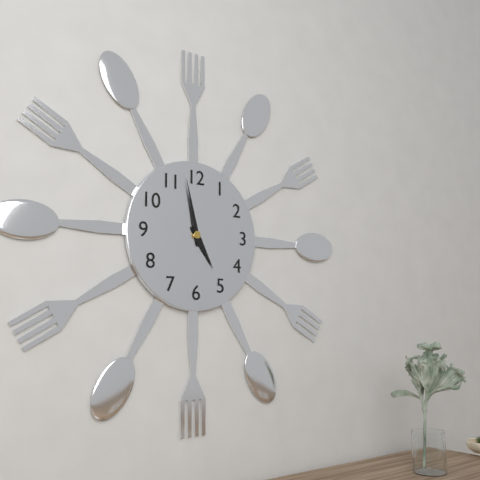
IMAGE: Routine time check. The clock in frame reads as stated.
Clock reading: 4:58
